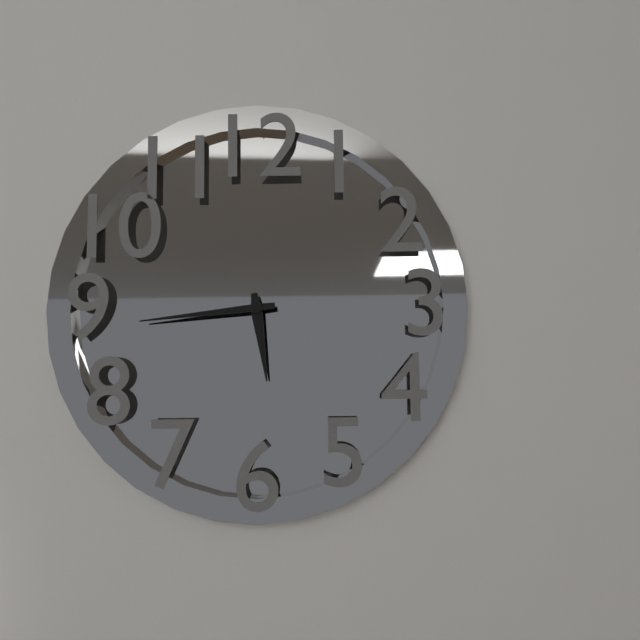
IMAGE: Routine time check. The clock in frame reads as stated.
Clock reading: 5:44
